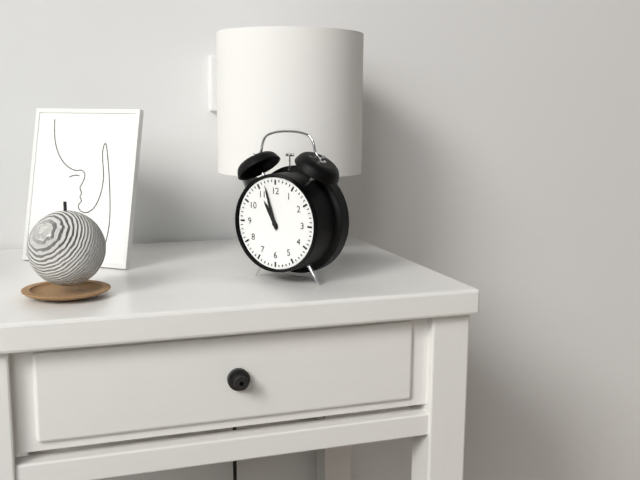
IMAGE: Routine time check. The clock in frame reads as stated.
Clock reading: 10:57
